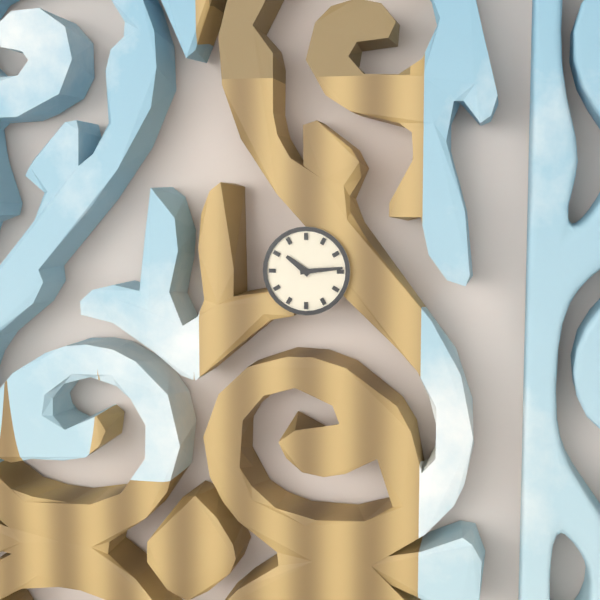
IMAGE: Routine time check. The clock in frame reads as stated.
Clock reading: 10:14
